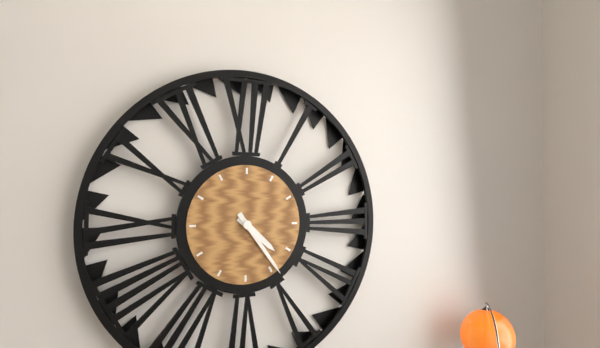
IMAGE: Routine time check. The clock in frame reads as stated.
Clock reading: 4:24
